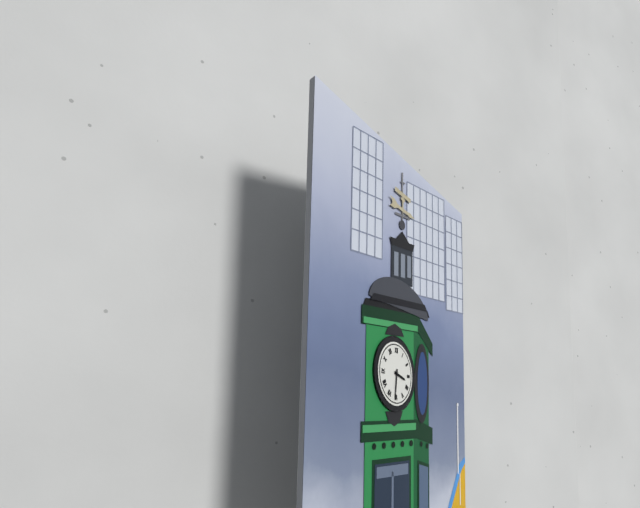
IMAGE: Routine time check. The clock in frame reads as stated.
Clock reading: 3:31
